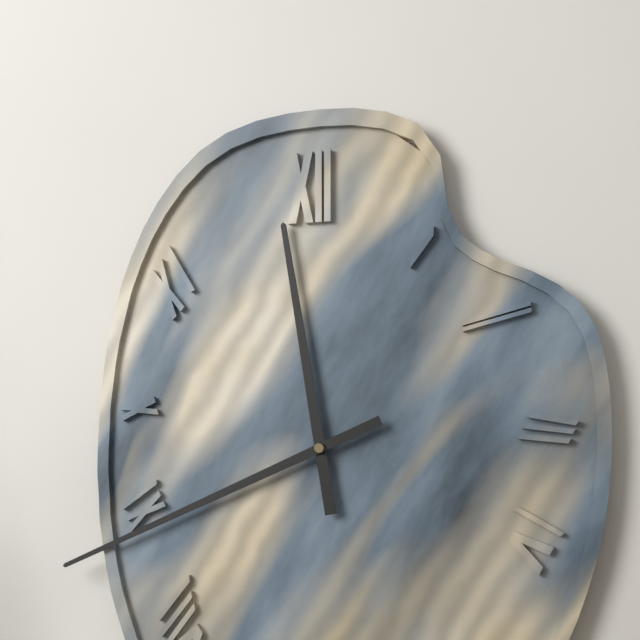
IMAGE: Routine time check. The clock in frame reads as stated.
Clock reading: 11:41
